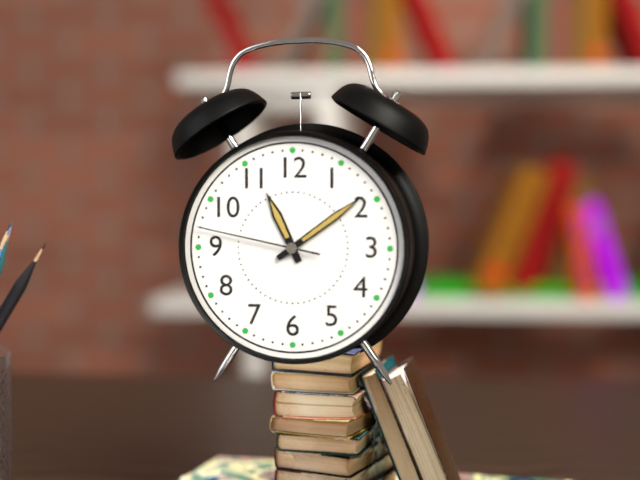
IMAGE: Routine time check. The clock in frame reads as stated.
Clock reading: 11:09:47
